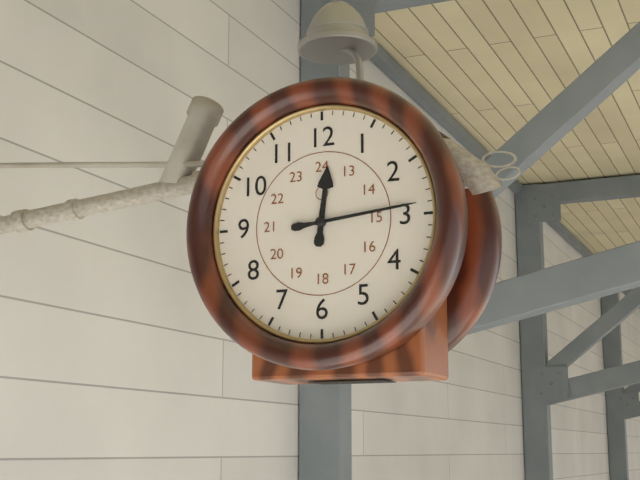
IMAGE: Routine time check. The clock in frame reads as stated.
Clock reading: 12:14
